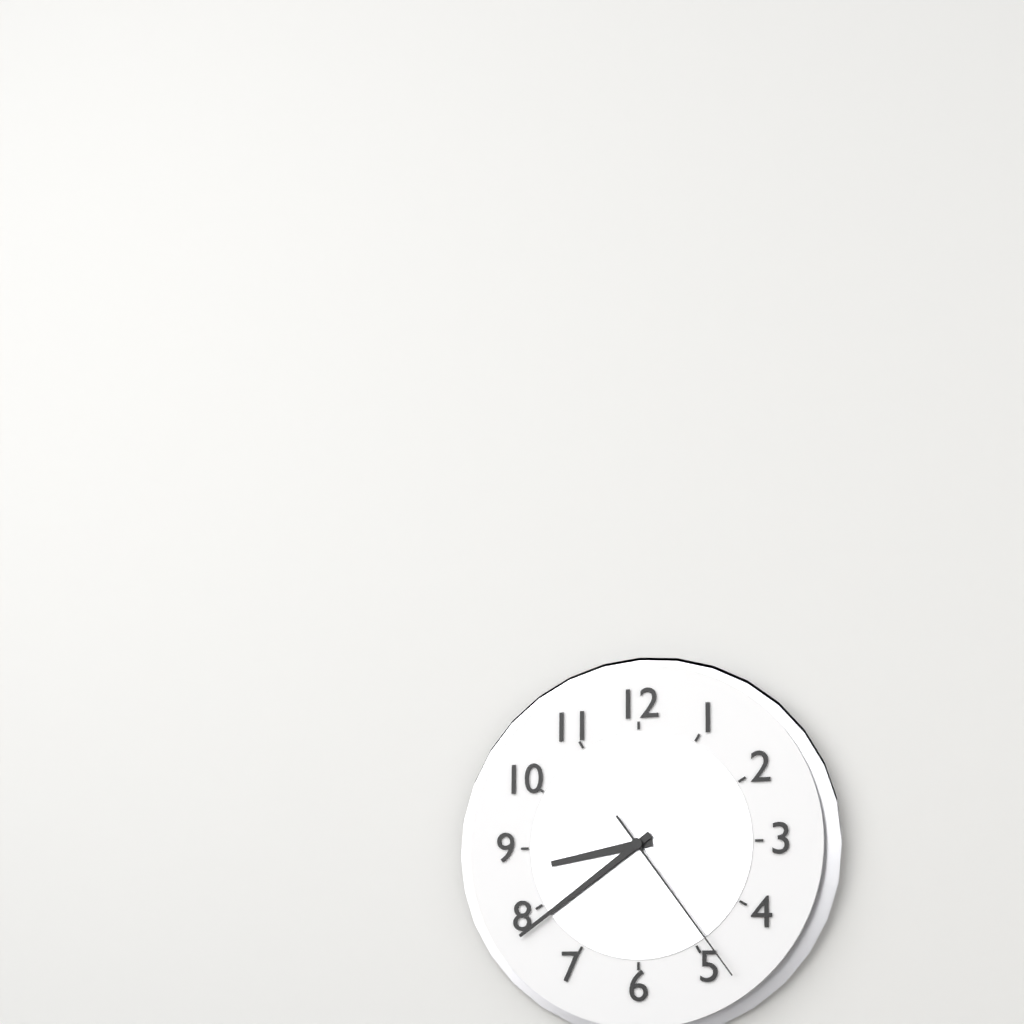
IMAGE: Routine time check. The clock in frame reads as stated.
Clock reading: 8:39:24
